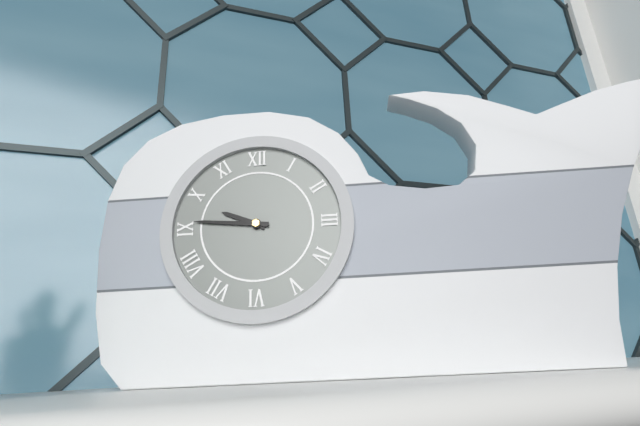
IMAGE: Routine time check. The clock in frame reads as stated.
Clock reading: 9:46
